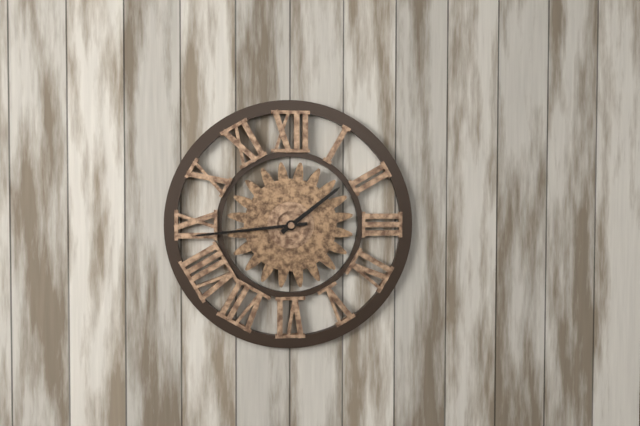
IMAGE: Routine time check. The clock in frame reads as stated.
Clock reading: 1:44
